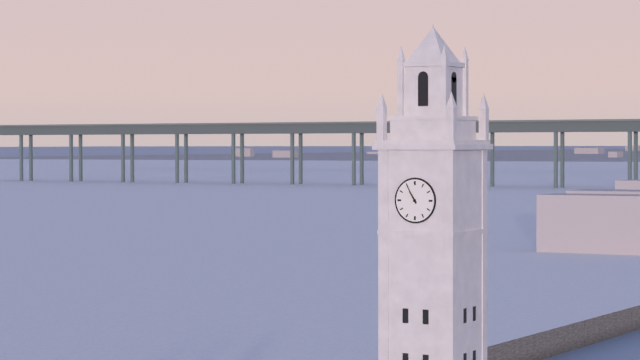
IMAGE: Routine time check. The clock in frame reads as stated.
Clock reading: 10:55
